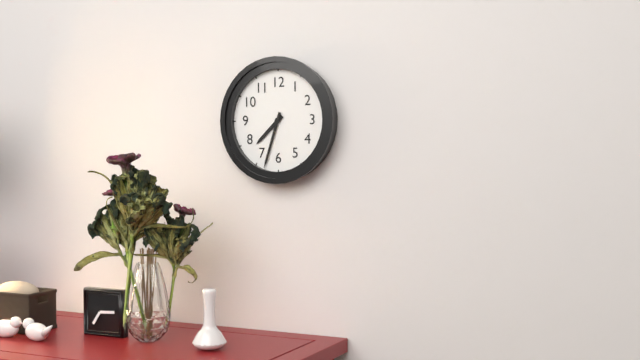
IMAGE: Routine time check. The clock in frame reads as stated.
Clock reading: 7:33
